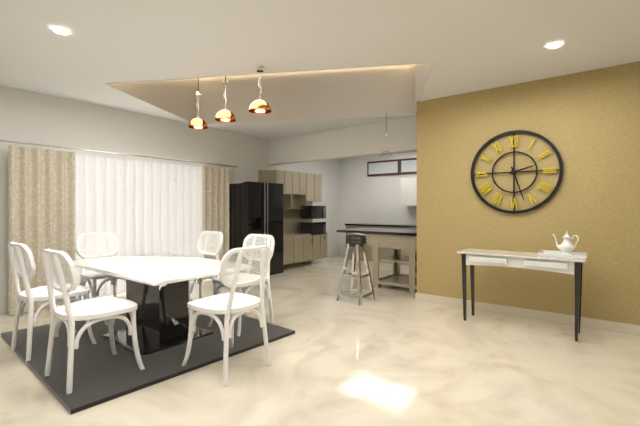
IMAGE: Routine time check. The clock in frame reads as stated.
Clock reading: 2:27
